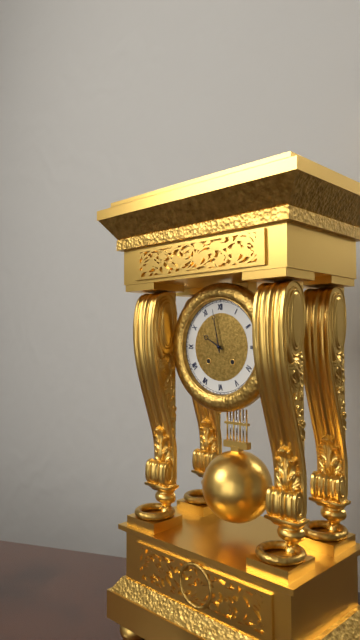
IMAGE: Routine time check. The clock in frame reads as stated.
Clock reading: 9:58
